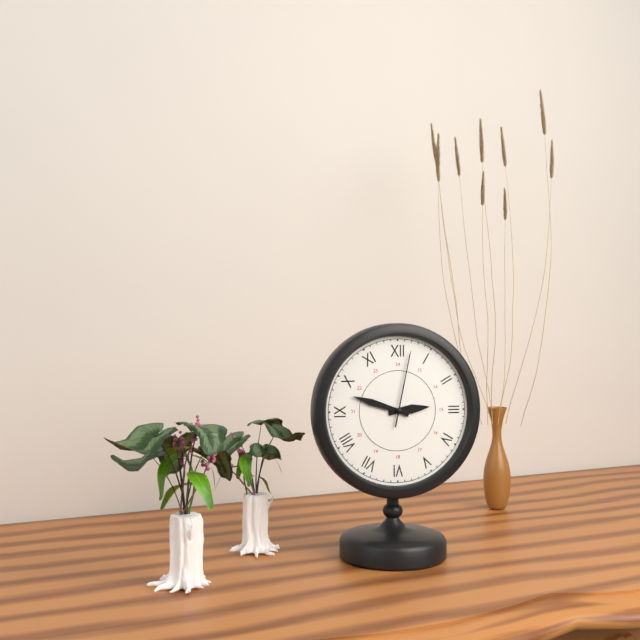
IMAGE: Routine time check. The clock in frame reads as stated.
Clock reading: 2:48:02
